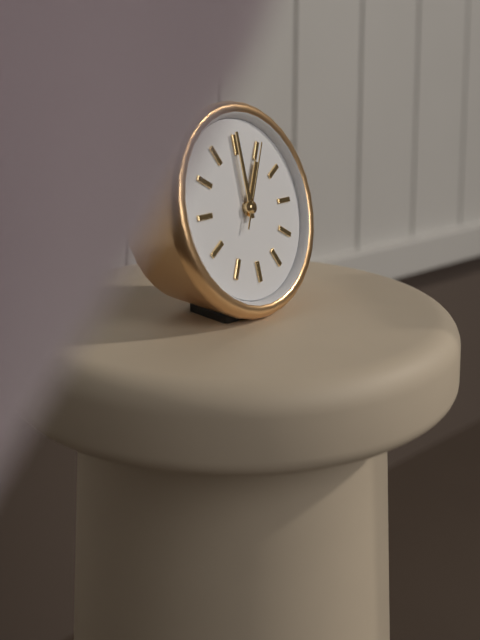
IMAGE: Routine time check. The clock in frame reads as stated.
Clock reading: 1:00:05
